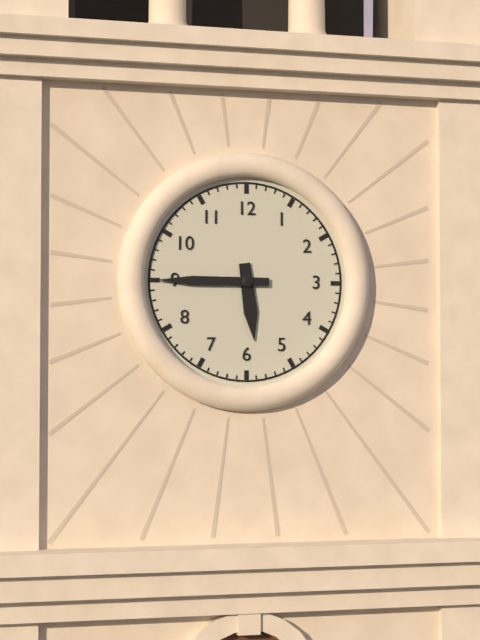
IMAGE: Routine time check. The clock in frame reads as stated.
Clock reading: 5:45
